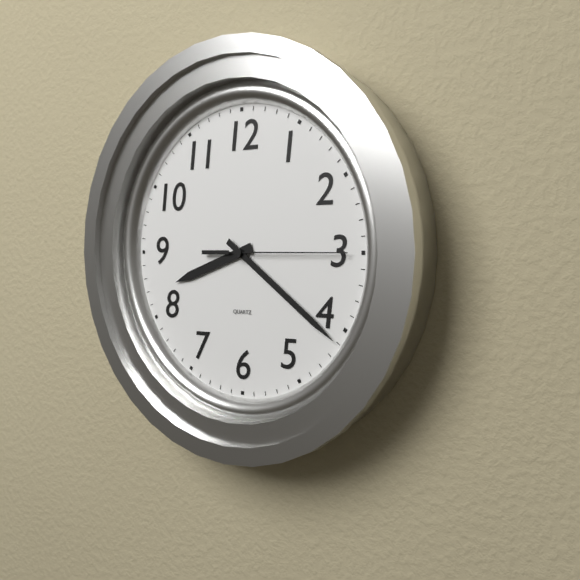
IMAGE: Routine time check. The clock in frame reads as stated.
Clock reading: 8:21:15
